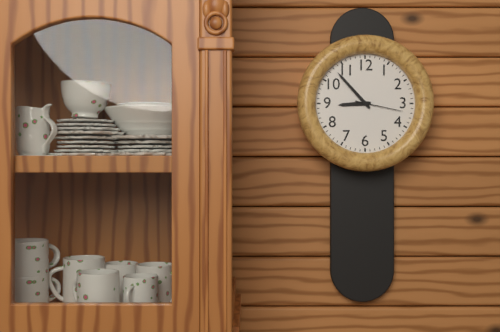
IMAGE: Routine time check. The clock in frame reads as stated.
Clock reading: 8:53:17
